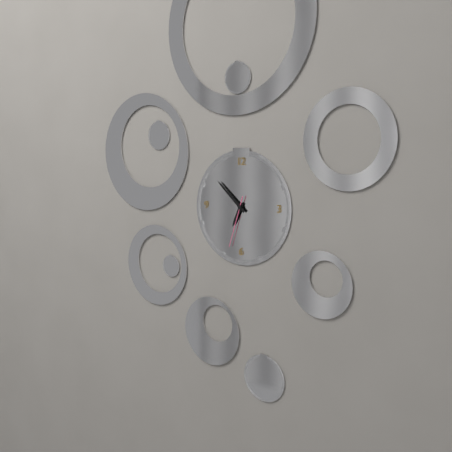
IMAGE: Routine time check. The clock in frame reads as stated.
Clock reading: 6:52:33
